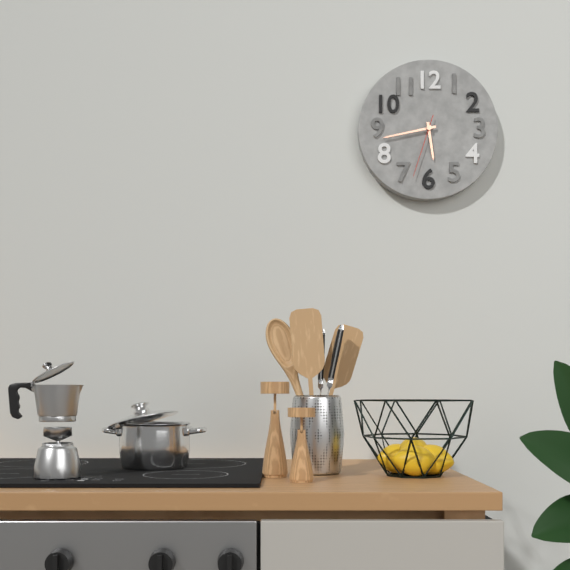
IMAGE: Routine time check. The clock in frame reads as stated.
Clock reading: 5:43:33
